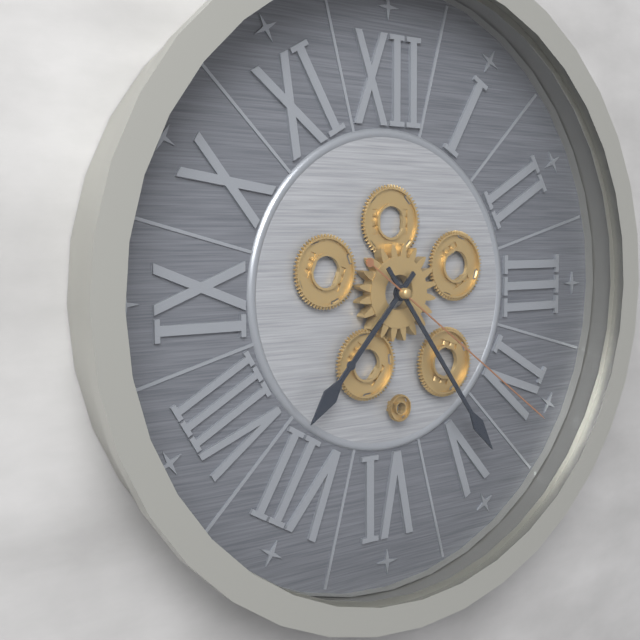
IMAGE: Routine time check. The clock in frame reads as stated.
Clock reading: 7:24:21
